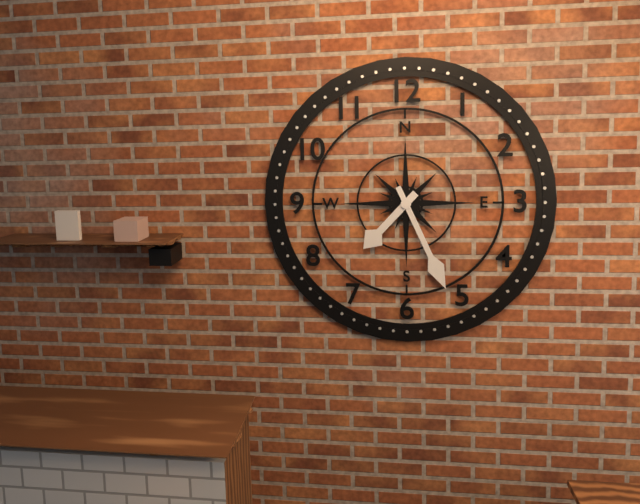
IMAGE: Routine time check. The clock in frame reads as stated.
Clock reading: 7:26
